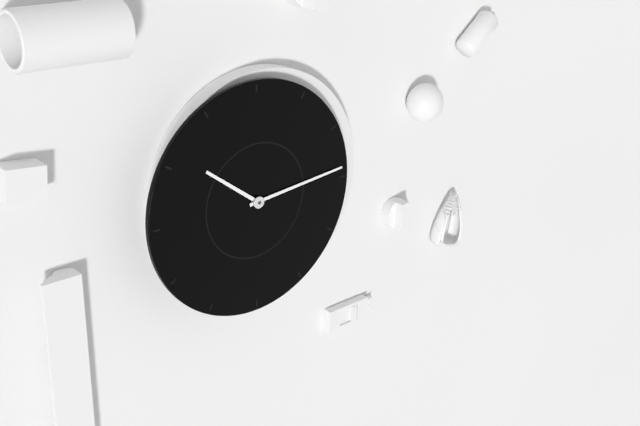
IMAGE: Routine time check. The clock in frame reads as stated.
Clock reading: 10:14
